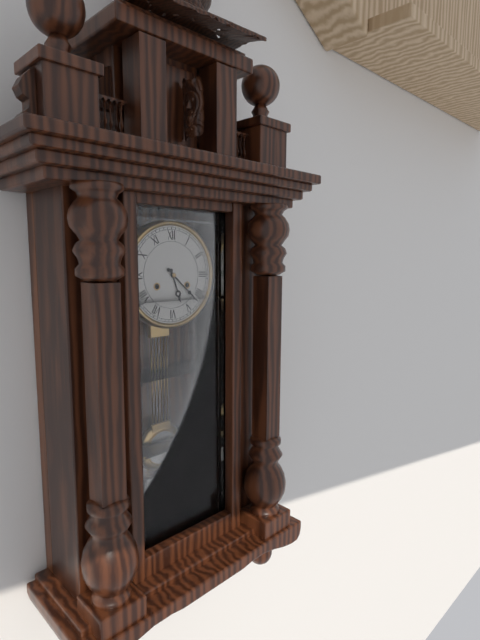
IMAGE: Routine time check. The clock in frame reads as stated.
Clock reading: 5:22
